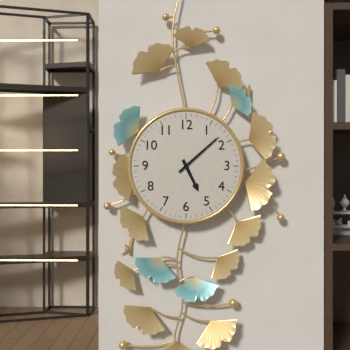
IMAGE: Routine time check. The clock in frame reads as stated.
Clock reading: 5:08
